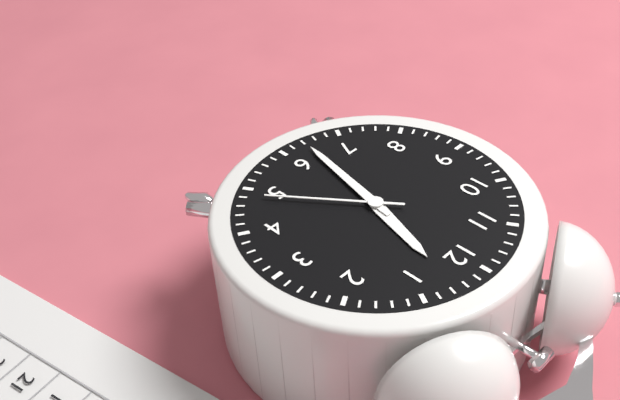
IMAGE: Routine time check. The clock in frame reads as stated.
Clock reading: 12:32:24
